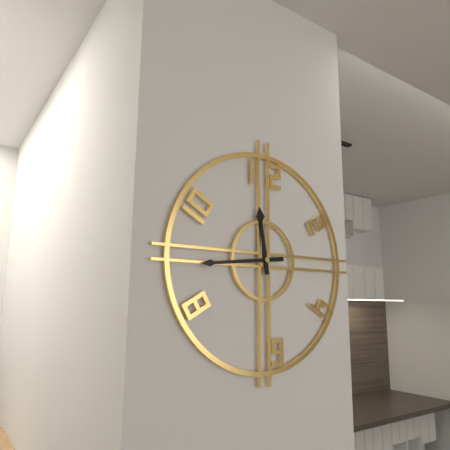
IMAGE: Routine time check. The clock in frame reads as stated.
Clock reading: 11:44
